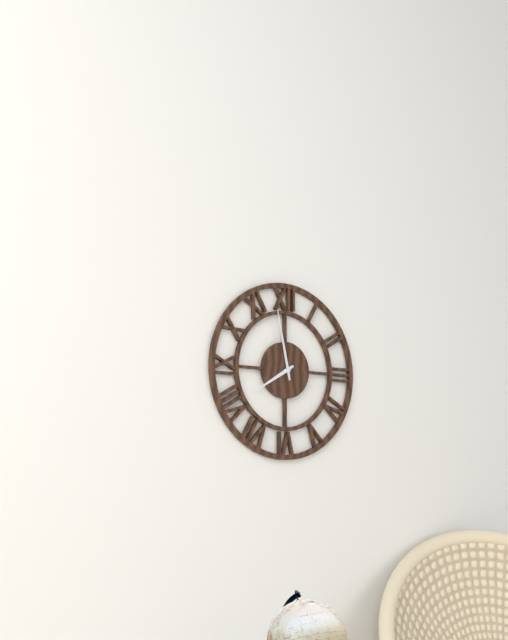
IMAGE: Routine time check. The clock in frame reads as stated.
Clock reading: 7:58
